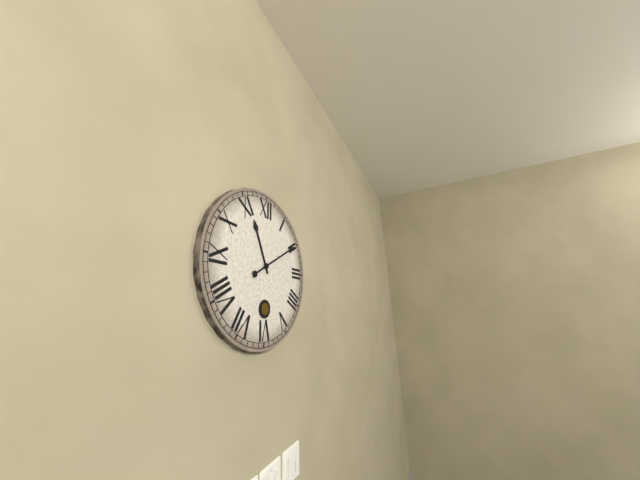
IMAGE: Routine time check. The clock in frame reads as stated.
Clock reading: 11:10
